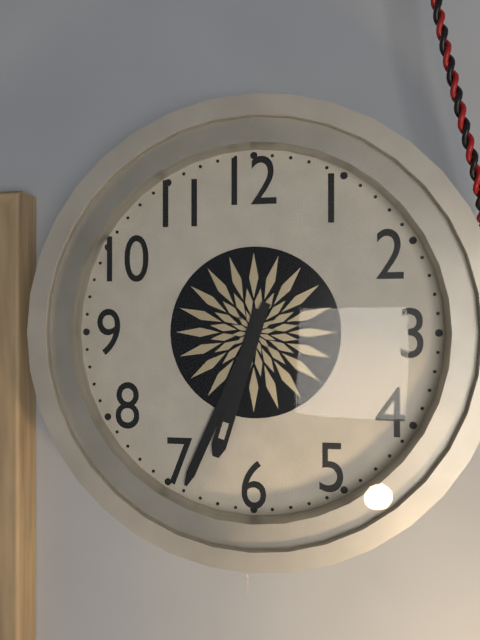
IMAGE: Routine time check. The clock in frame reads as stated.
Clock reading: 6:34
